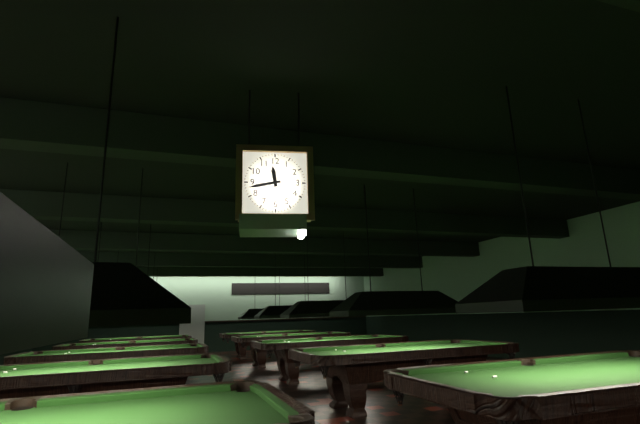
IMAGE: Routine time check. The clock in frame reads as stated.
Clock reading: 11:43
